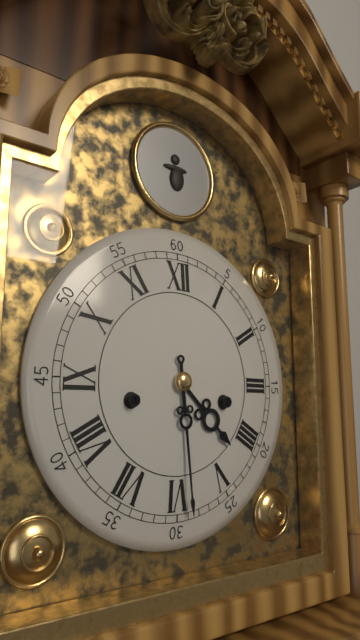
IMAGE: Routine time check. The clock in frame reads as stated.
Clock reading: 4:29
